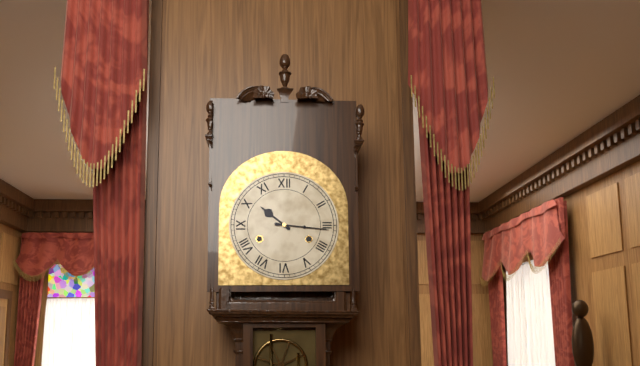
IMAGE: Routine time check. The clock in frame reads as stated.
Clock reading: 10:16
